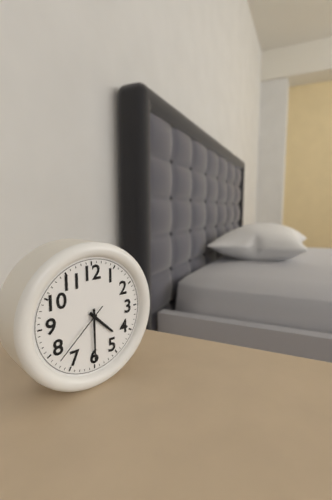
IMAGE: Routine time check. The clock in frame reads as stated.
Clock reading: 4:30:38
